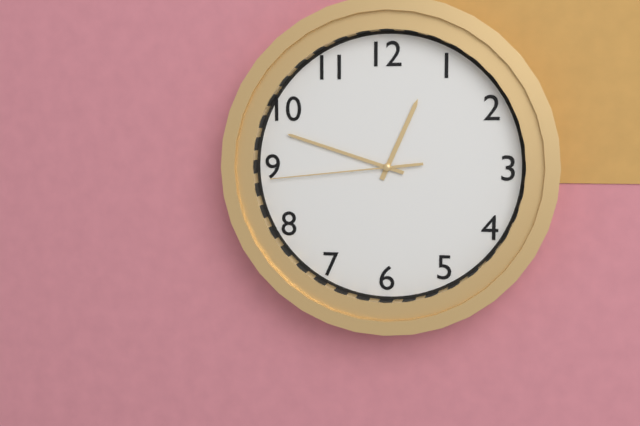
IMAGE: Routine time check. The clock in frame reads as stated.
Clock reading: 12:48:44
